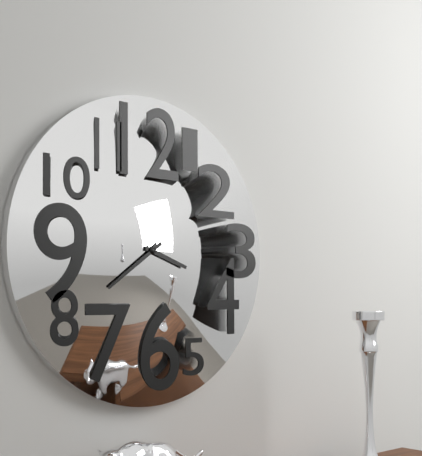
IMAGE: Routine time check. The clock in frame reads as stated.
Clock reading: 3:39
